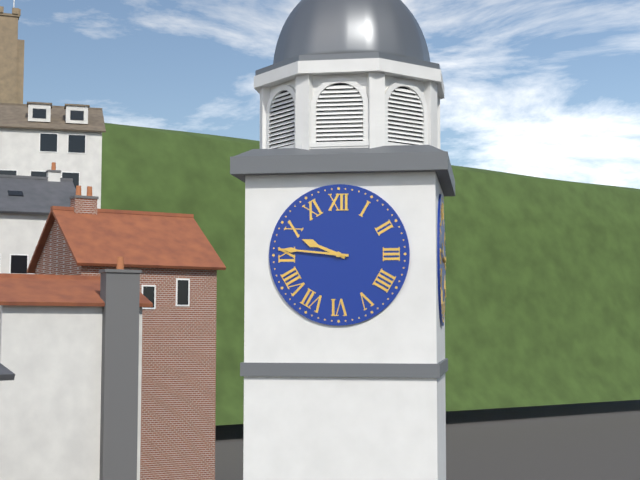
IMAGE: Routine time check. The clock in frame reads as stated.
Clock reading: 9:46
